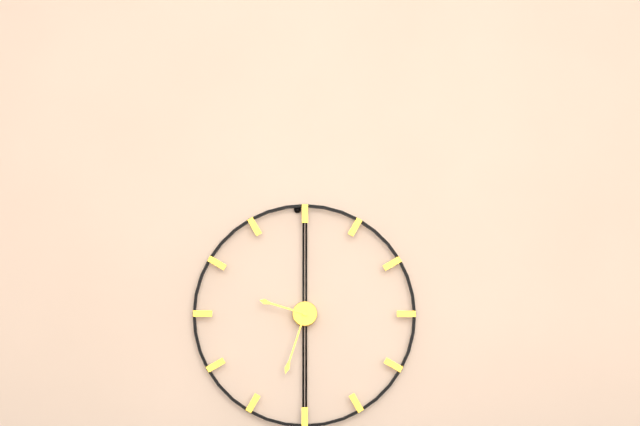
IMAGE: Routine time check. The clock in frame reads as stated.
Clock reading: 9:33
